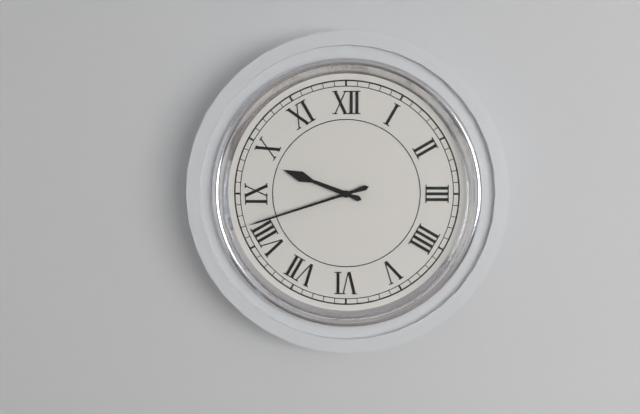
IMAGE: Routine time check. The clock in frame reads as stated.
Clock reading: 9:42
